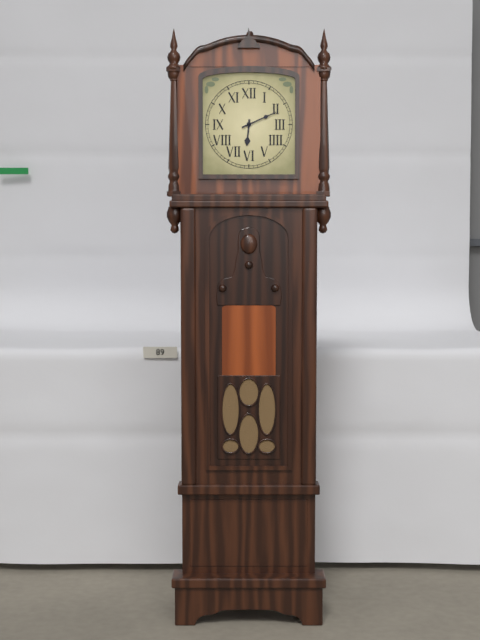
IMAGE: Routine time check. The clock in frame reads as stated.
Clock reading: 6:11
